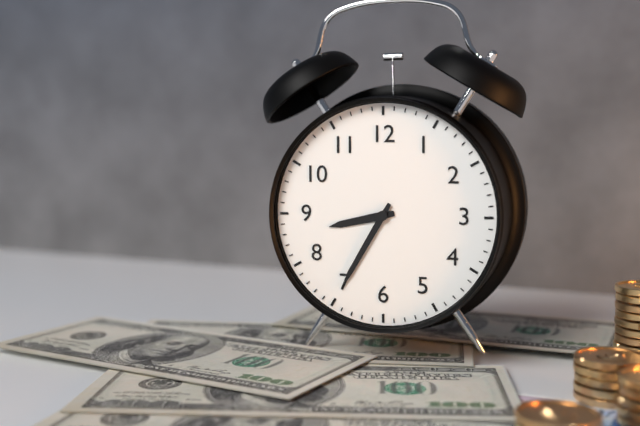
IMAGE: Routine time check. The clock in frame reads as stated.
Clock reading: 8:35
